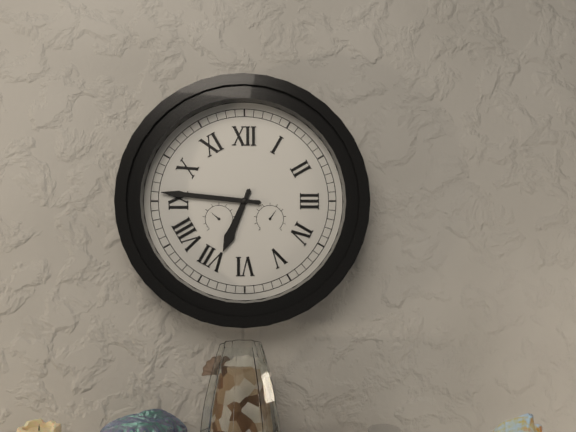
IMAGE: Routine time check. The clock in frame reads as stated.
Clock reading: 6:46
